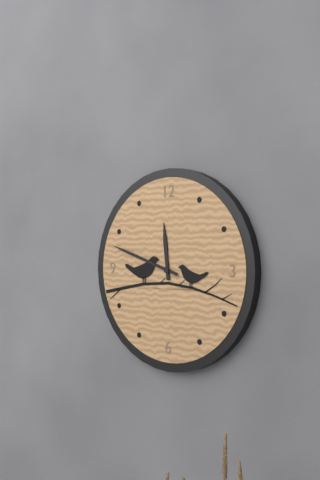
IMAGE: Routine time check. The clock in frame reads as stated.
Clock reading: 11:48
